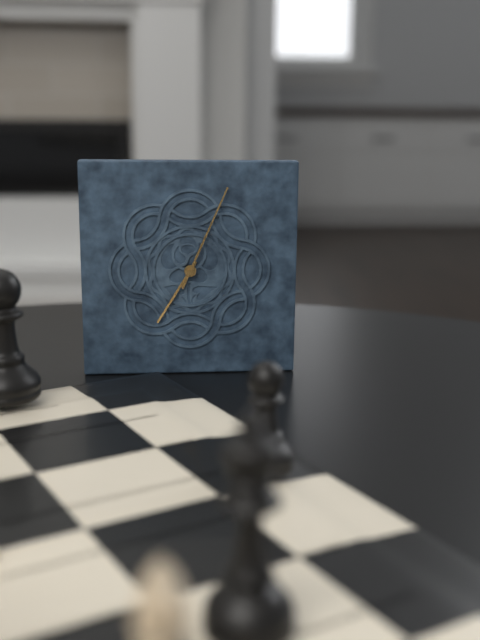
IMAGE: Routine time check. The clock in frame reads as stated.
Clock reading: 7:04
